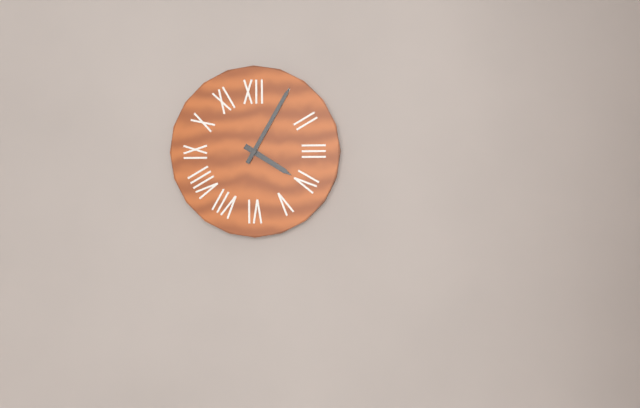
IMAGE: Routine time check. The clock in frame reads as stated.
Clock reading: 4:05
